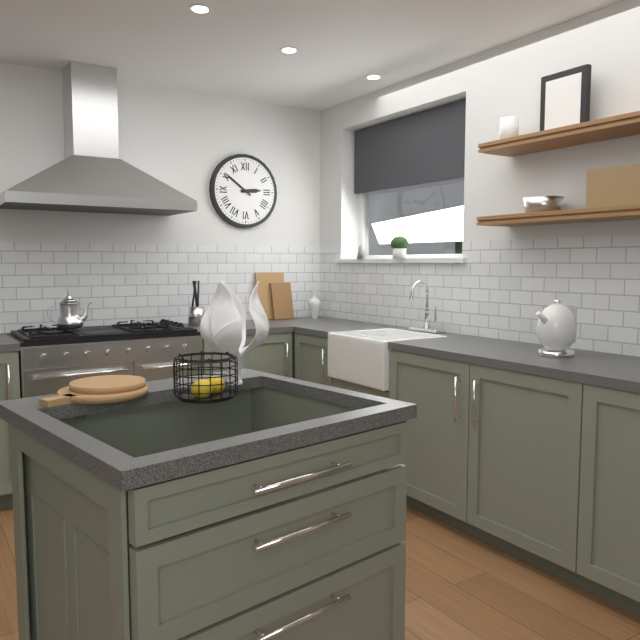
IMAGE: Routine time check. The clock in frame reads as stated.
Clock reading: 2:51
